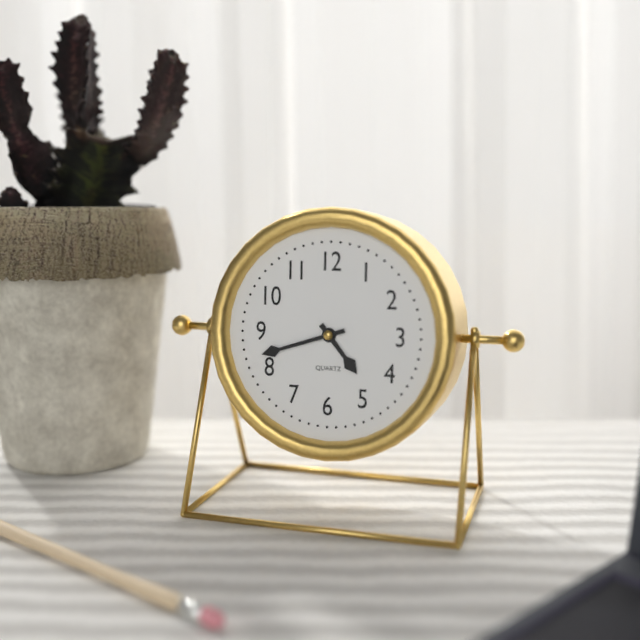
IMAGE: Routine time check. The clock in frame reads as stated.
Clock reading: 4:42
